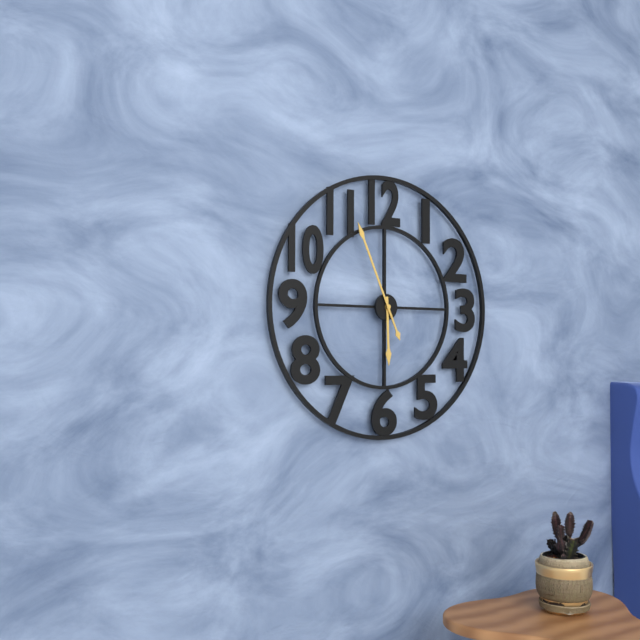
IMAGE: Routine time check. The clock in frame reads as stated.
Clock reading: 5:56
